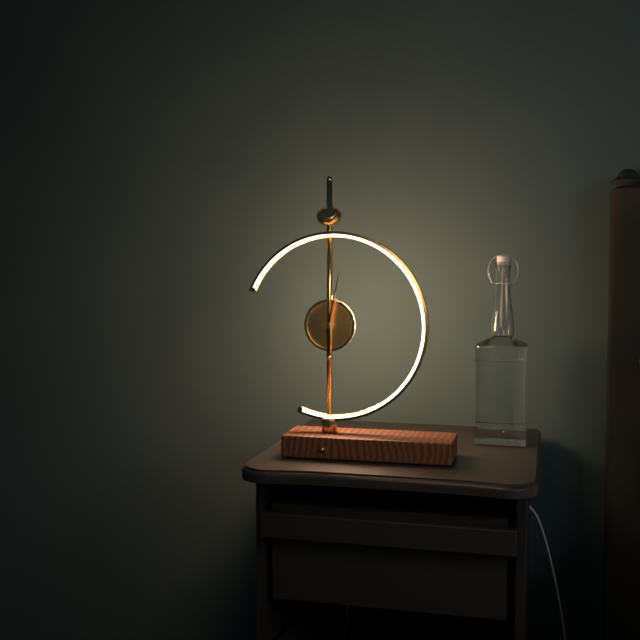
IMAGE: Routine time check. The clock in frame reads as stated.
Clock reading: 6:02
